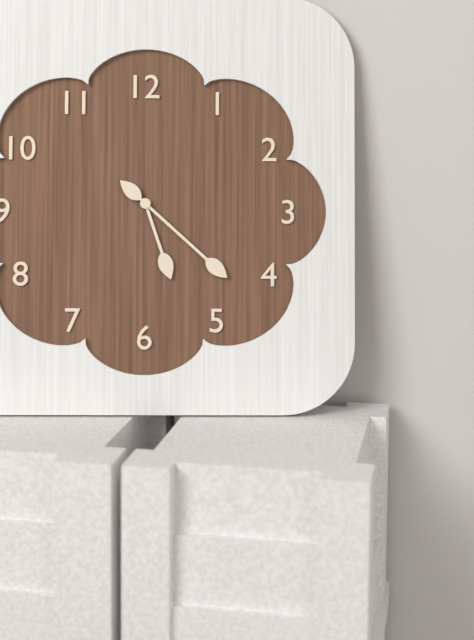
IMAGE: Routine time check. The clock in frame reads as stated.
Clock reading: 5:22
